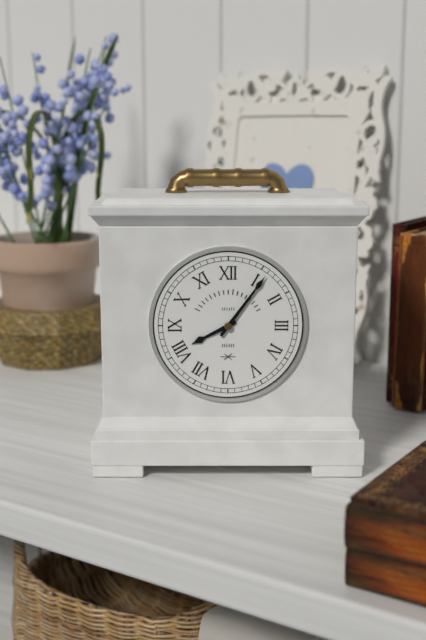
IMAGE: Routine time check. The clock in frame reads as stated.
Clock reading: 8:06
